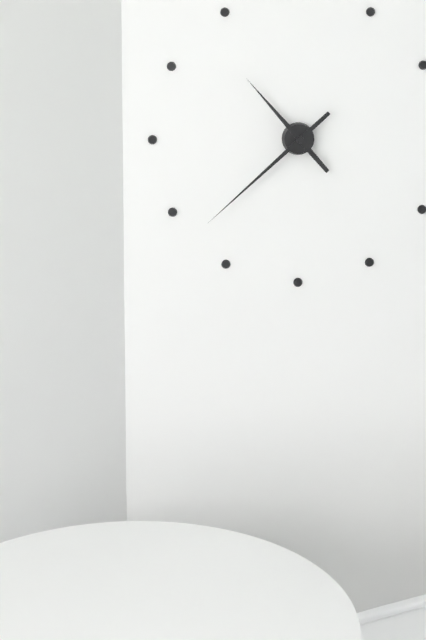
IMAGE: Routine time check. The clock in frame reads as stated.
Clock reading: 10:38
